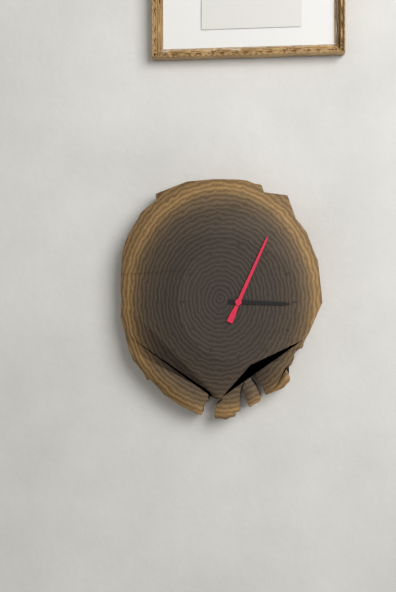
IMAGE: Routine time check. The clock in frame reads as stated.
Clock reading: 3:04
